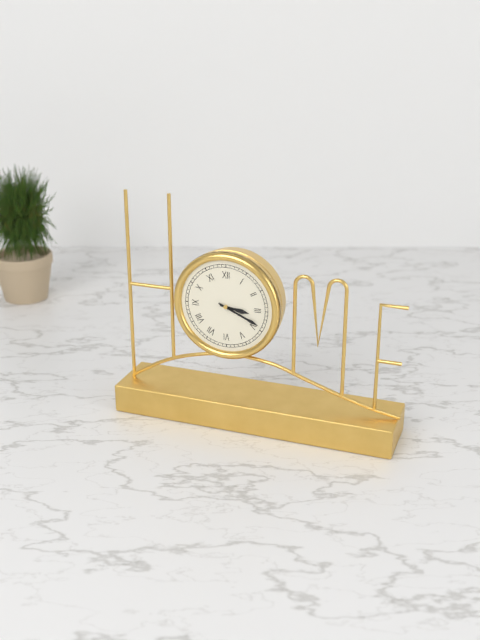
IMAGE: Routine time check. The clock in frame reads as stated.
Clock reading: 3:19
